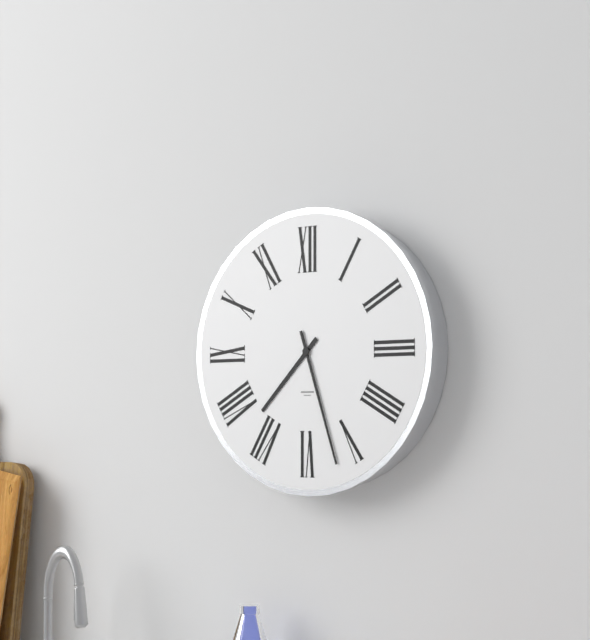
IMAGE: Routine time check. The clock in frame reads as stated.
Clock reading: 7:27
